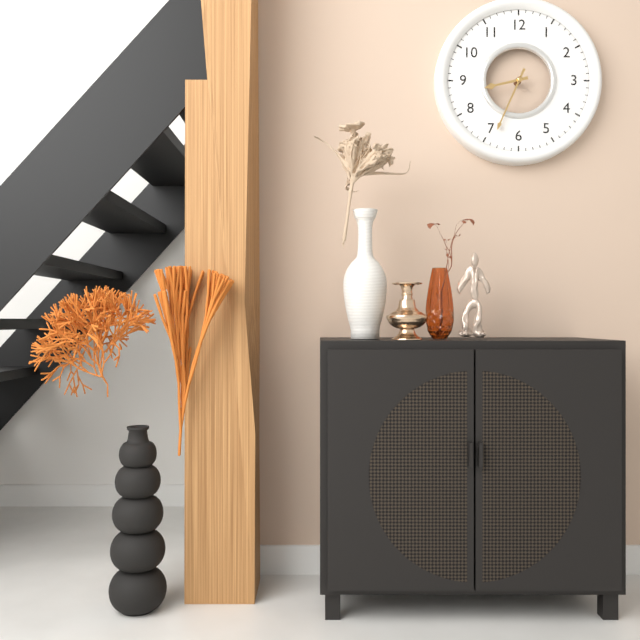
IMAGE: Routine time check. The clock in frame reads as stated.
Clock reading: 8:34
